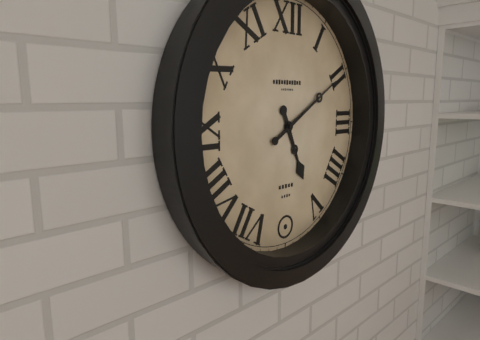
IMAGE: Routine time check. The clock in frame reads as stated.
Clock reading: 5:10
